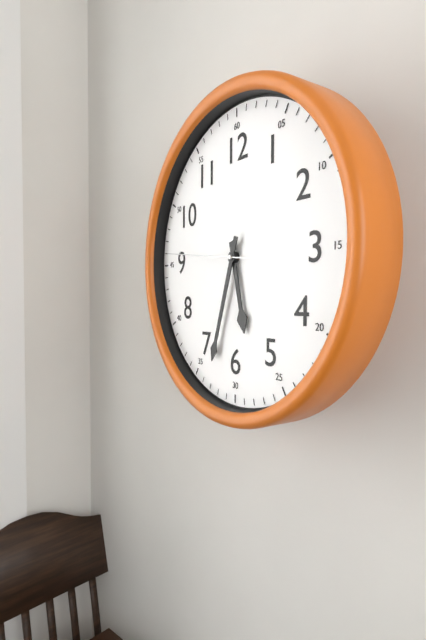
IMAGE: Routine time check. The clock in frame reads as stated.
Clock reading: 5:33:46
